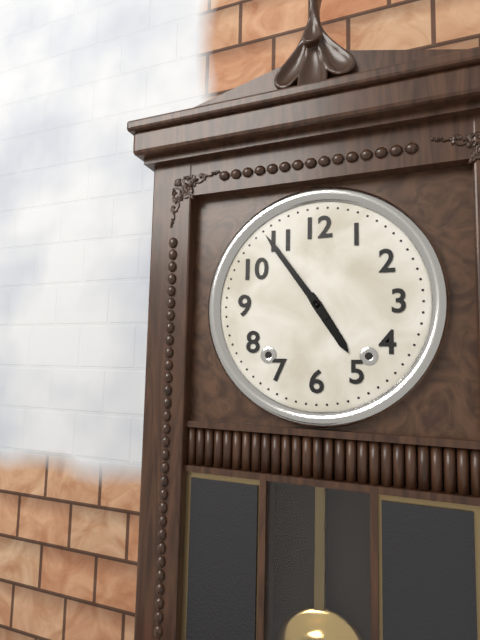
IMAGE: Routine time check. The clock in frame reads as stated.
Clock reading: 4:54
